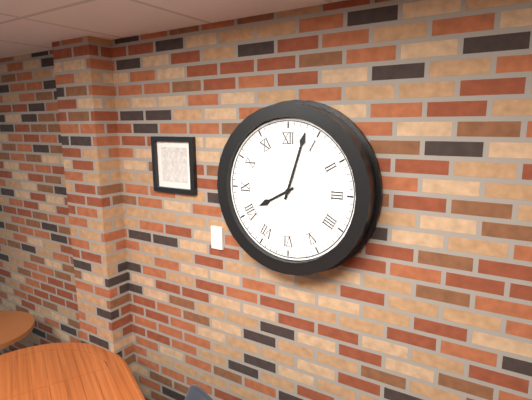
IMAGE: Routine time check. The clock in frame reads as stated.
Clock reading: 8:03
